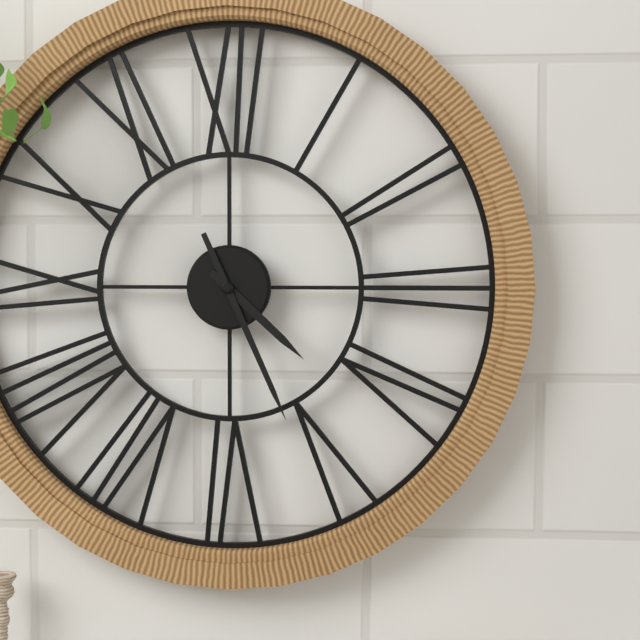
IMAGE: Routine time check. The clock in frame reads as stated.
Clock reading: 4:26
